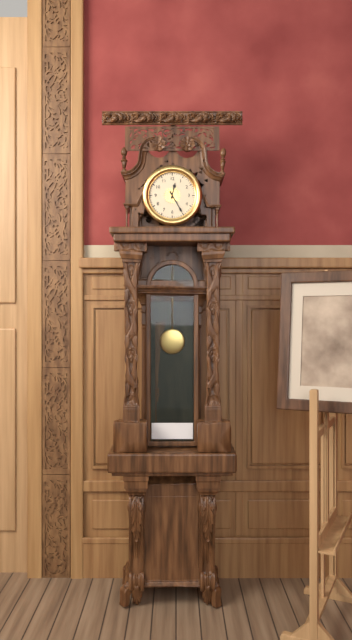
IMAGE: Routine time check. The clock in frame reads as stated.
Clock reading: 12:25
